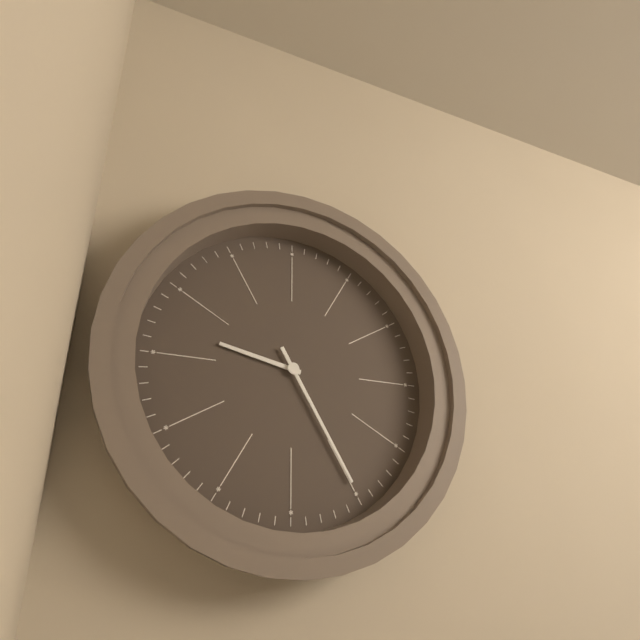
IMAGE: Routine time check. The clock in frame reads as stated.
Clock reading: 9:25
